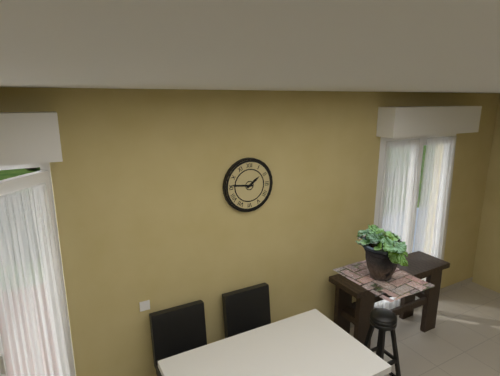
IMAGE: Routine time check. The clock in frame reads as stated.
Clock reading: 1:46
